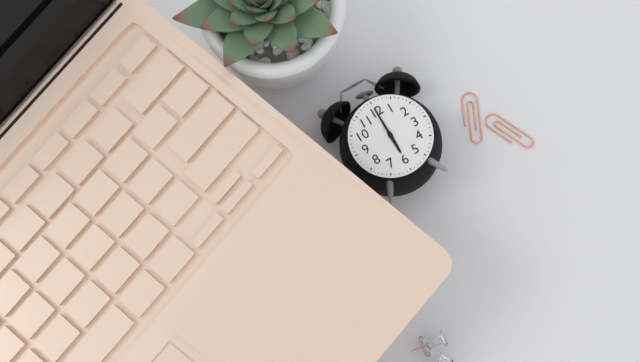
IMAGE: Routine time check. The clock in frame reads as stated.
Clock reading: 6:00
